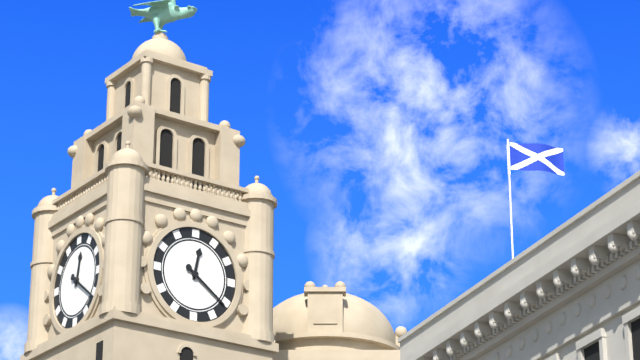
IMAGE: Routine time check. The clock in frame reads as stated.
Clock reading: 12:21
